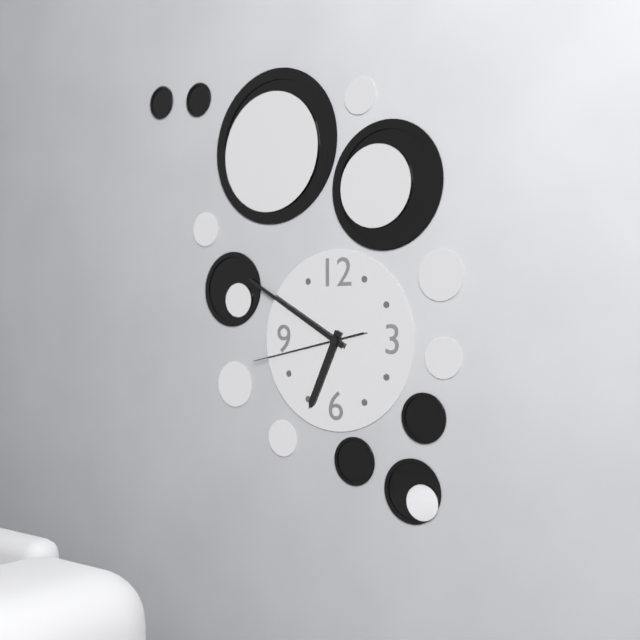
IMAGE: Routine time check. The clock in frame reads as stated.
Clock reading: 6:50:43
